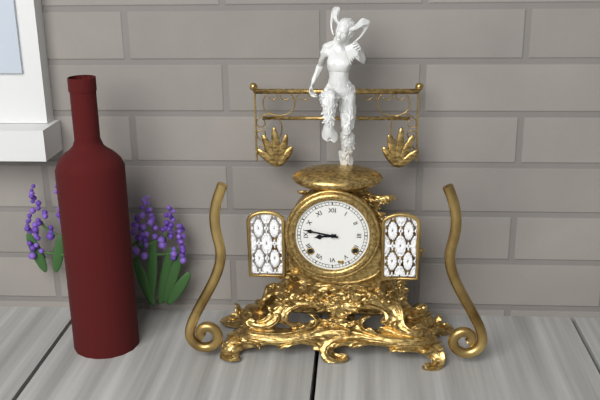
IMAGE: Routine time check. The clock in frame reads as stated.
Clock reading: 8:47
